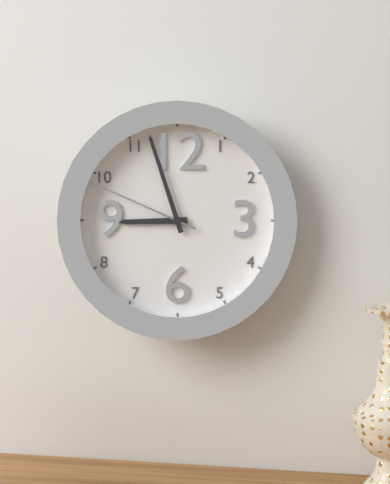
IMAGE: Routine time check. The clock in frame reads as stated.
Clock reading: 8:57:49
